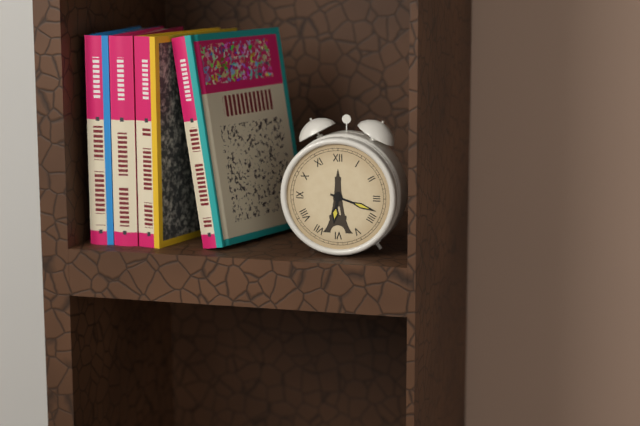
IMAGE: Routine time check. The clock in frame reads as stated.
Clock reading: 6:18
